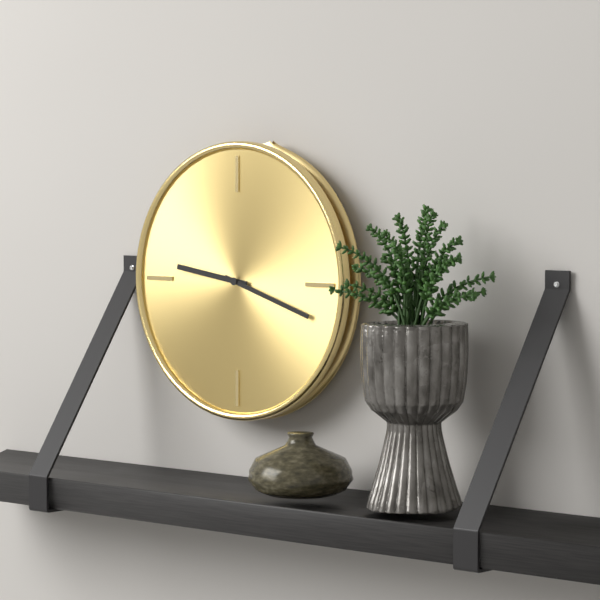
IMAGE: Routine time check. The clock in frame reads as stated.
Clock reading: 9:18
